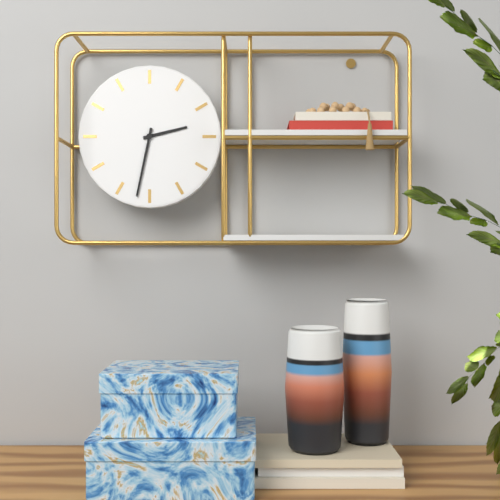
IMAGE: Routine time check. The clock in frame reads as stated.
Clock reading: 2:32
